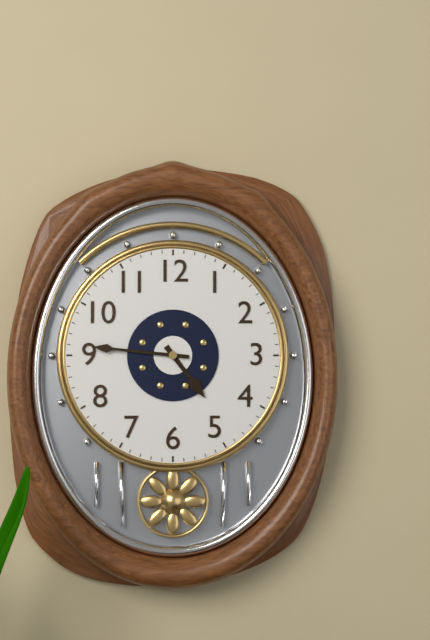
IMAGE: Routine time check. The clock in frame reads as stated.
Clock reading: 4:46
